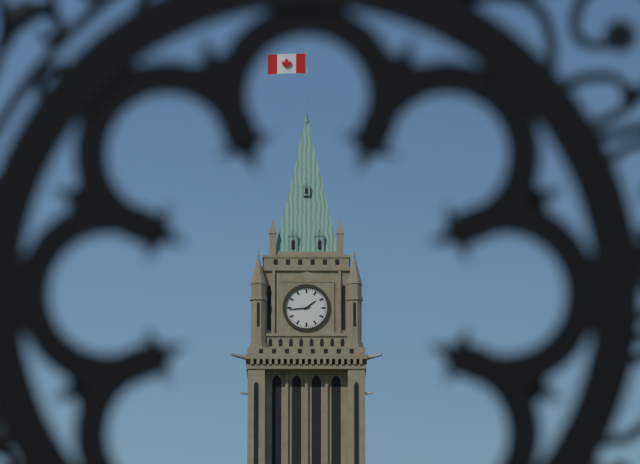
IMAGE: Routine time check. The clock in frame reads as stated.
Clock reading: 1:44
